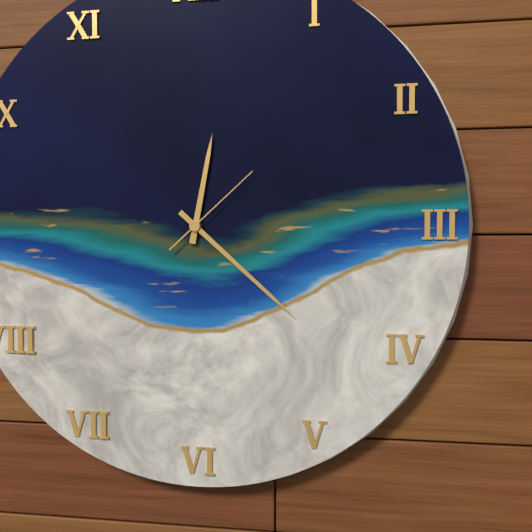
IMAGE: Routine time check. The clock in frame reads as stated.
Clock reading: 12:22:08
